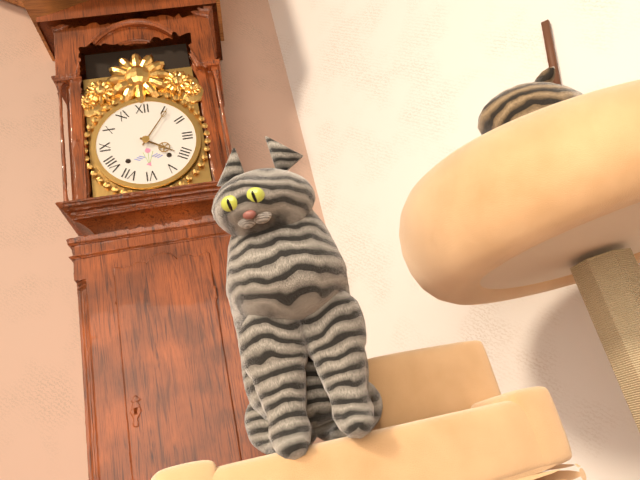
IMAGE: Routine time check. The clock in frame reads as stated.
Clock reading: 4:06
